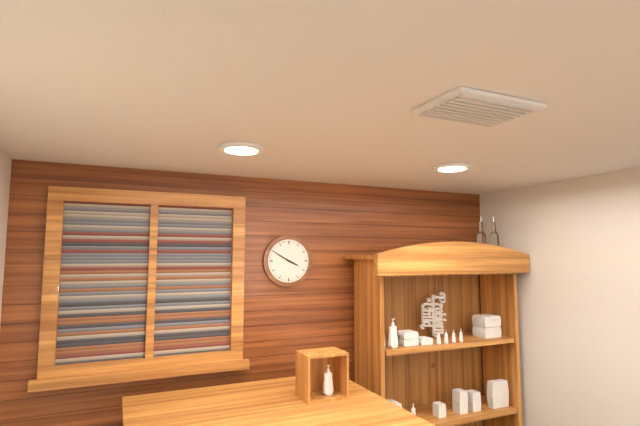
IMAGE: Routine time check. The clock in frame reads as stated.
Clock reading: 3:50
